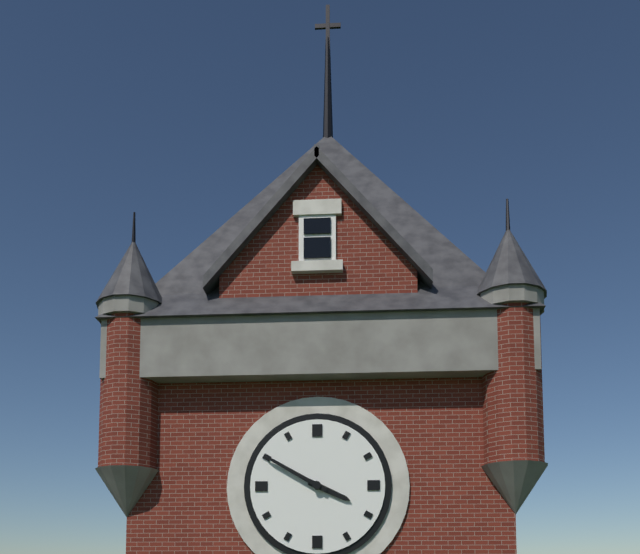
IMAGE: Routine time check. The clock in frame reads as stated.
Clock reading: 3:50
